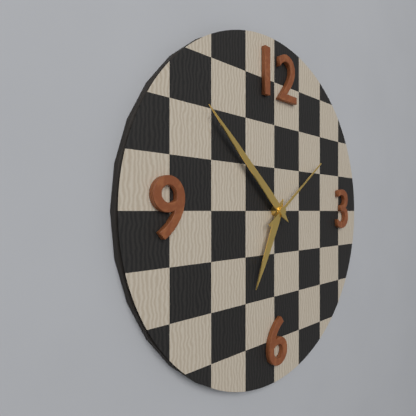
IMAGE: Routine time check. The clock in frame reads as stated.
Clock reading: 6:52:09
